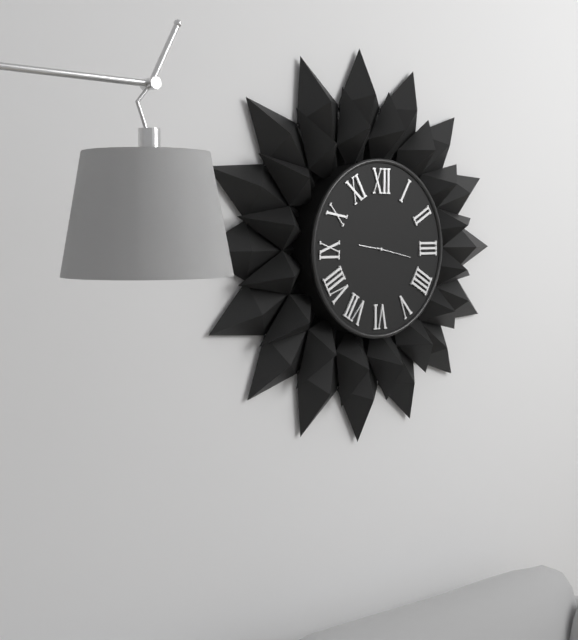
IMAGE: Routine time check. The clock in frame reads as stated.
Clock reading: 9:17
